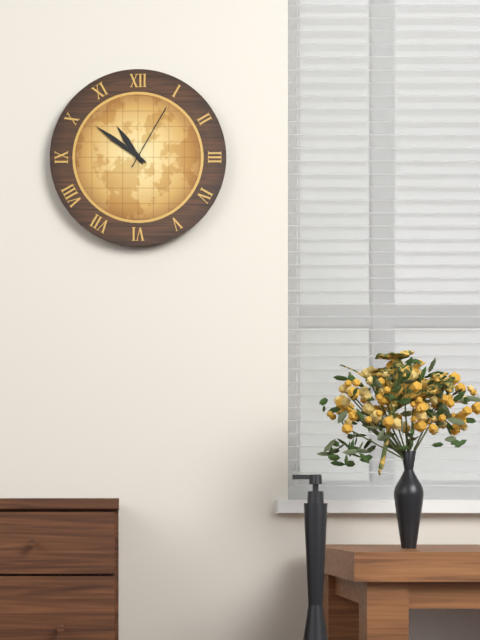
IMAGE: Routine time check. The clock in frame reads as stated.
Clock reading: 10:51:05
